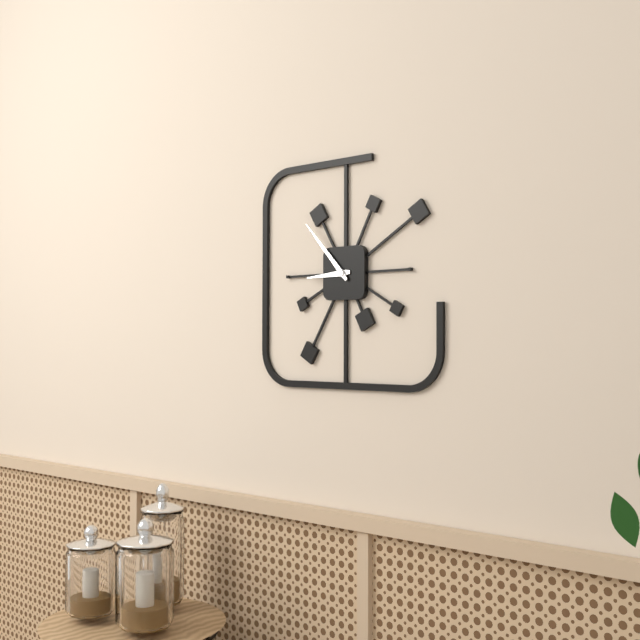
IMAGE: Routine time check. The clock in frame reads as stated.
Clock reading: 8:53
